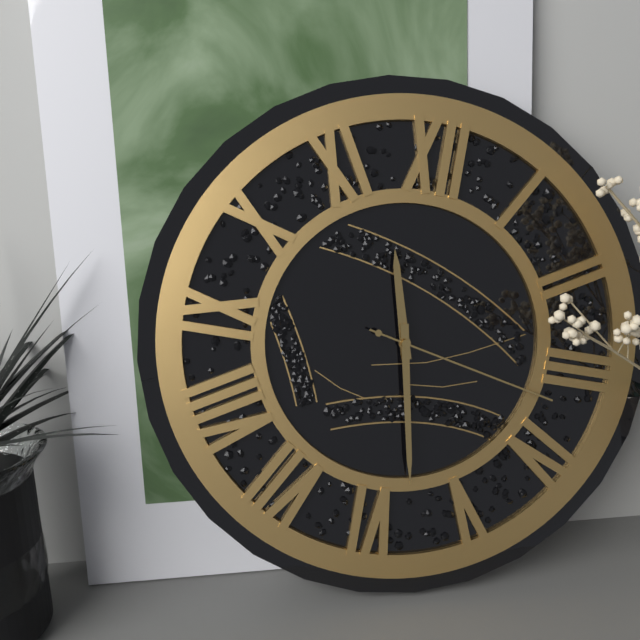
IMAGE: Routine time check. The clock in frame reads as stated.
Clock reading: 11:28:17
